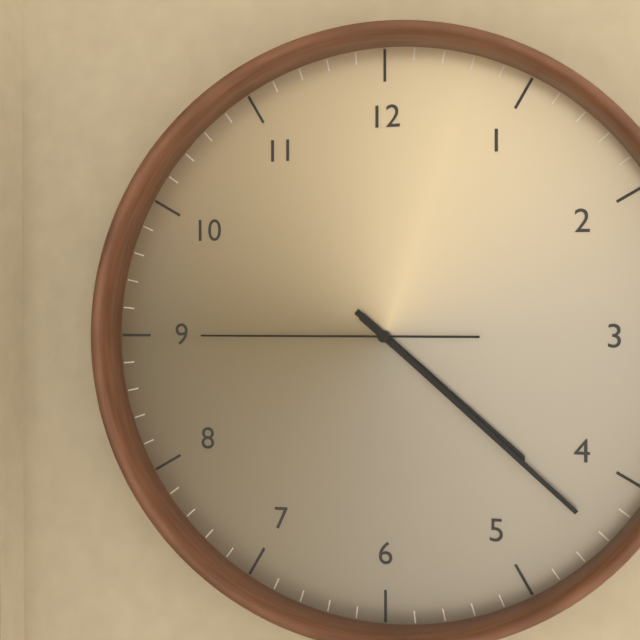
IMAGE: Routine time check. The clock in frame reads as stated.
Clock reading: 4:22:45
